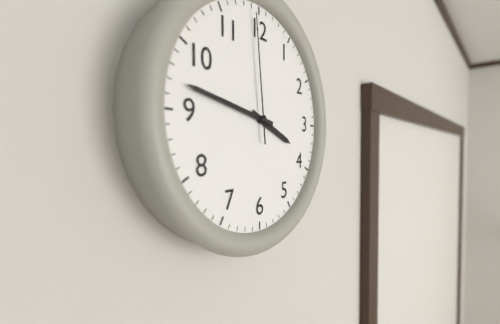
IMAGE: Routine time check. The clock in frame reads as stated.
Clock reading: 3:47:59
